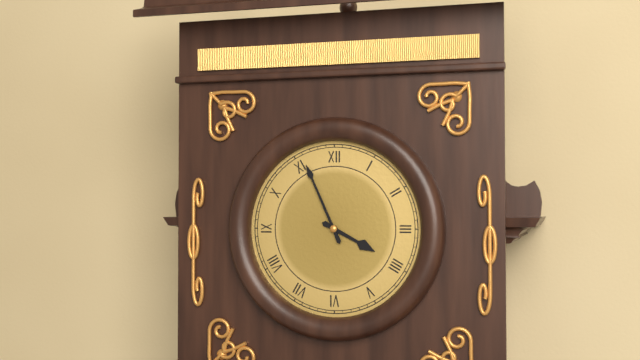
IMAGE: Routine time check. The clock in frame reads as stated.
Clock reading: 3:56
